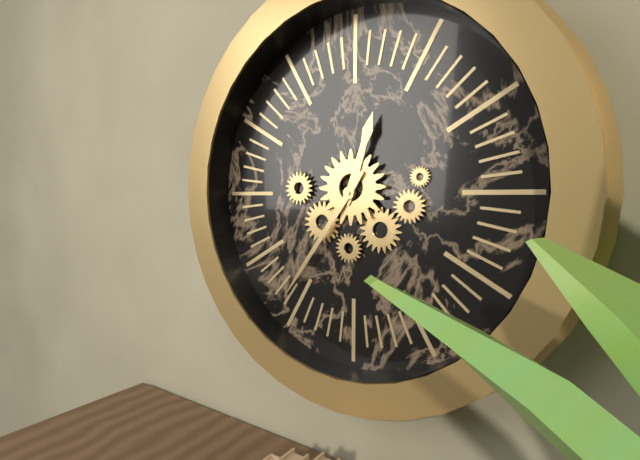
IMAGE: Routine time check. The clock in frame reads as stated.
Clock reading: 12:36
